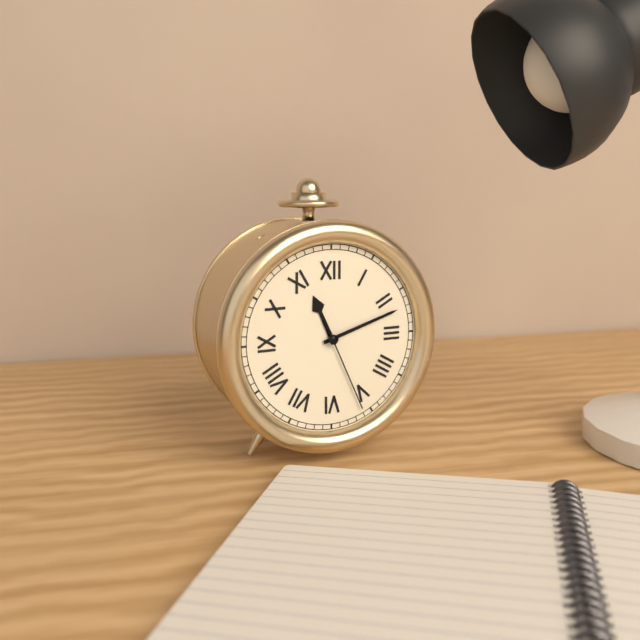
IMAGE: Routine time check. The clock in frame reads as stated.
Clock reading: 11:12:26
